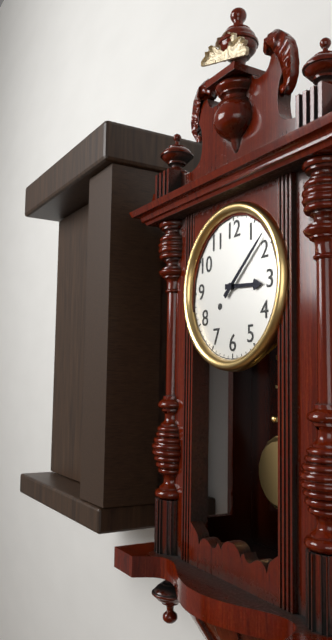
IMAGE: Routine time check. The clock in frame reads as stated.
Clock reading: 3:08
